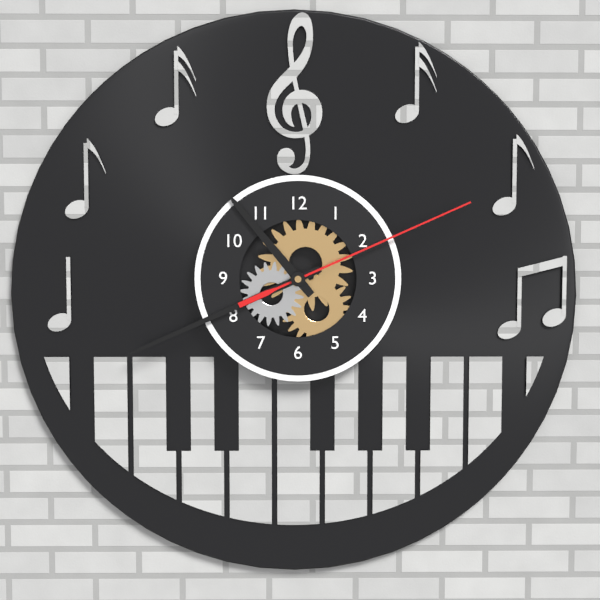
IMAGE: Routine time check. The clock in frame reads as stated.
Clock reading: 10:41:11
